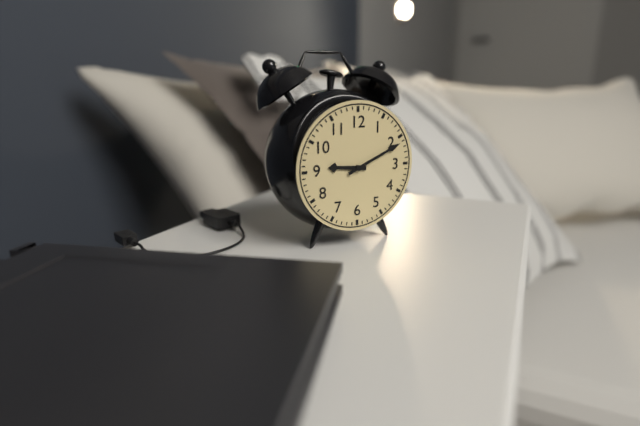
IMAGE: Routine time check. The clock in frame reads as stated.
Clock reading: 9:11
